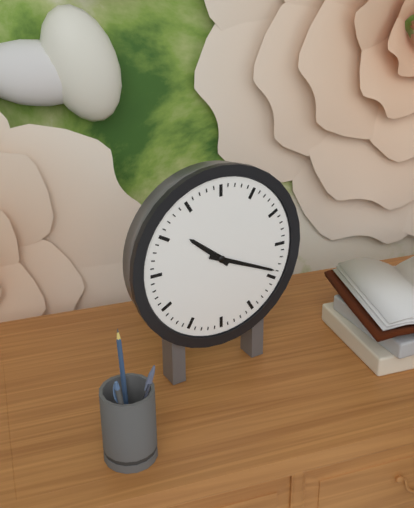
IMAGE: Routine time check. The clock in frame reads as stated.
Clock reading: 10:19
